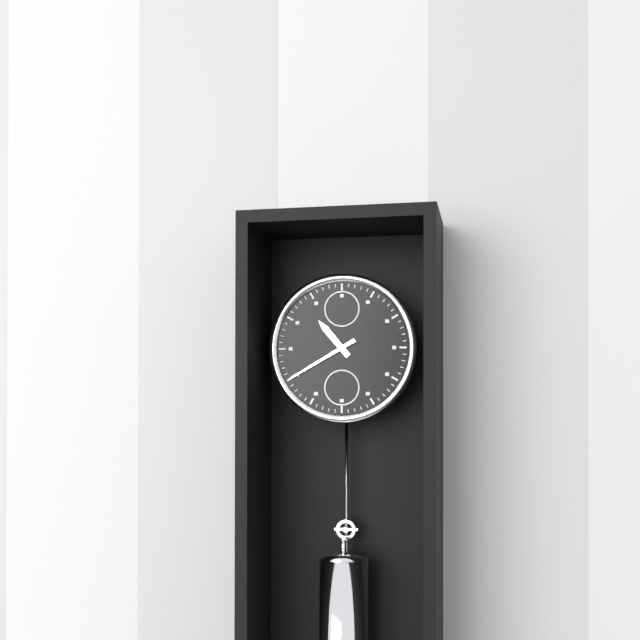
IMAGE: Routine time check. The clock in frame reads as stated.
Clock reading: 10:40
